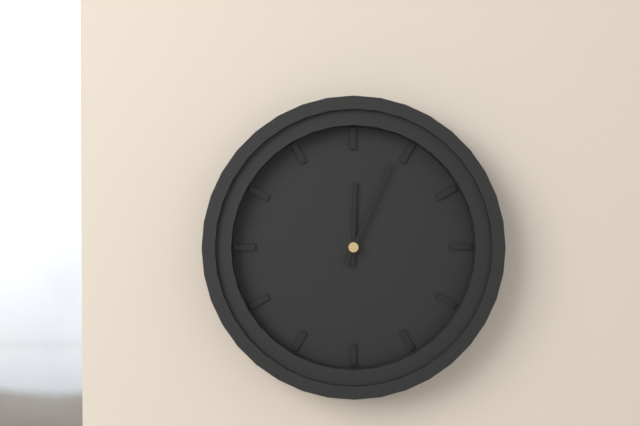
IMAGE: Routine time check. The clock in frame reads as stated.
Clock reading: 12:04
